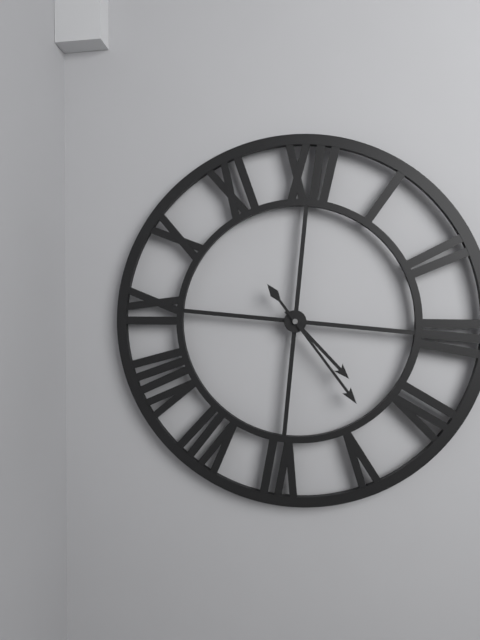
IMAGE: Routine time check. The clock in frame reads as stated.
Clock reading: 4:23
